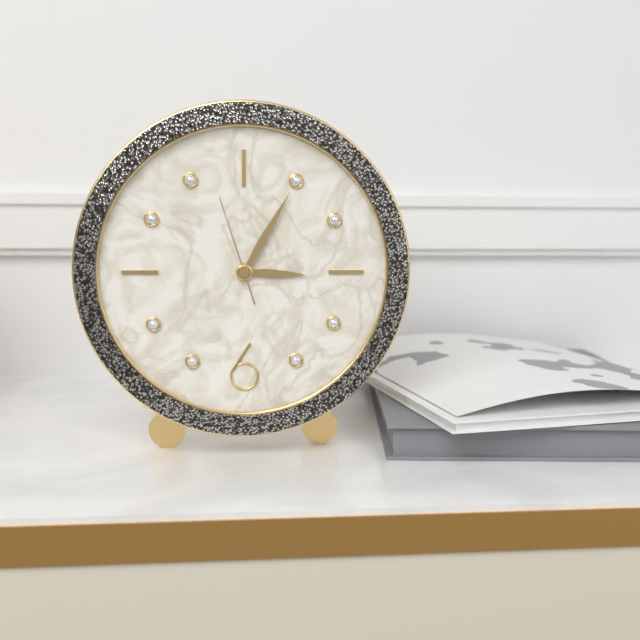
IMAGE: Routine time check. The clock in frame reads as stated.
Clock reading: 3:05:57
